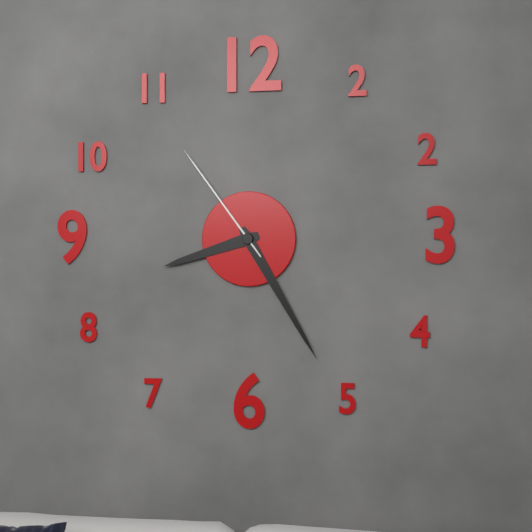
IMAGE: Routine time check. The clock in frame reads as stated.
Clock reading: 8:25:54
